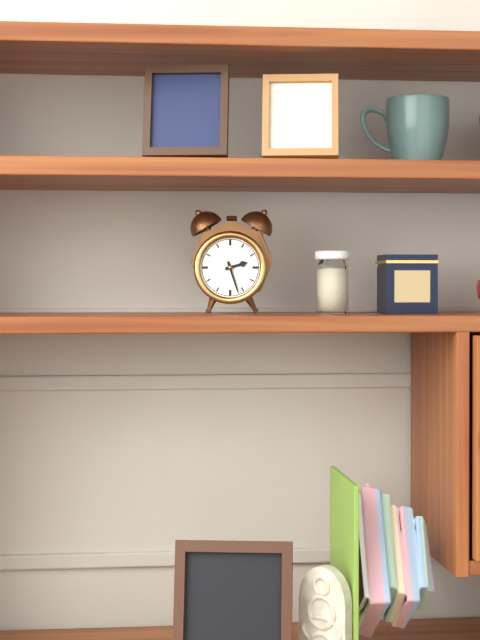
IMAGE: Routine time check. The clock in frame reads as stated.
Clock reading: 2:27
